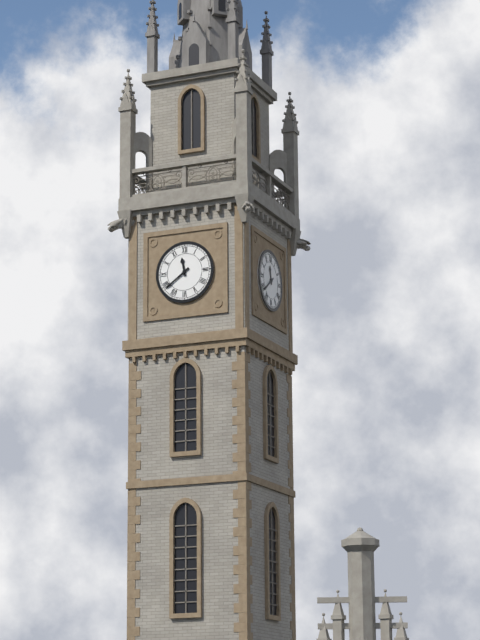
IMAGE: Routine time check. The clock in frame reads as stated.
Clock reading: 11:39
